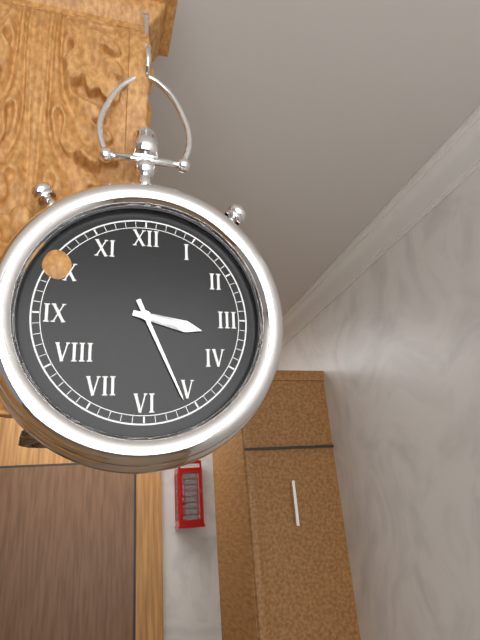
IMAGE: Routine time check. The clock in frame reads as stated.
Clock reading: 3:26
